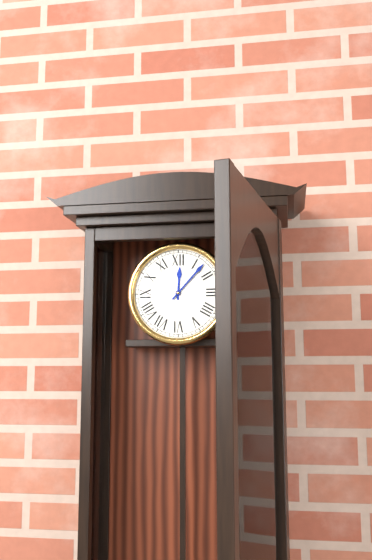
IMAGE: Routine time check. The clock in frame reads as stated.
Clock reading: 12:07
